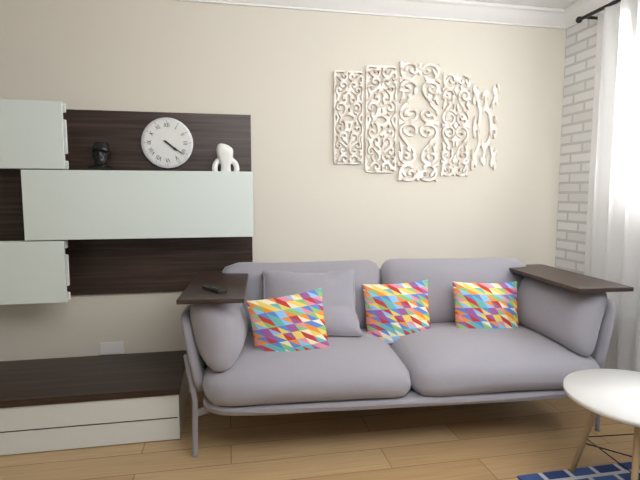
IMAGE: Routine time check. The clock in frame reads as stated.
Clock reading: 4:21
